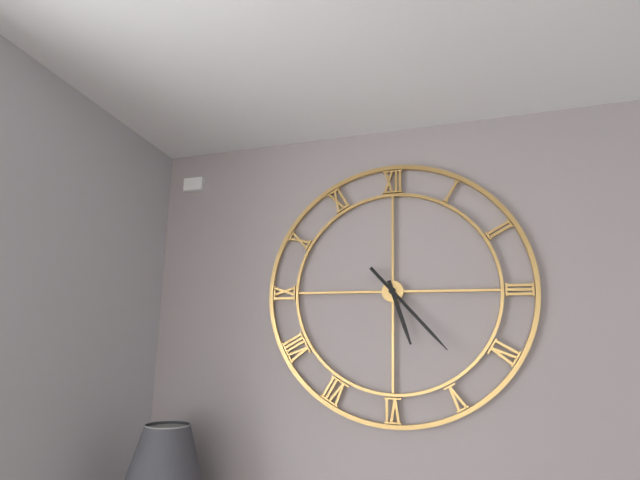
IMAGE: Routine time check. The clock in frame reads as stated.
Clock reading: 5:23
